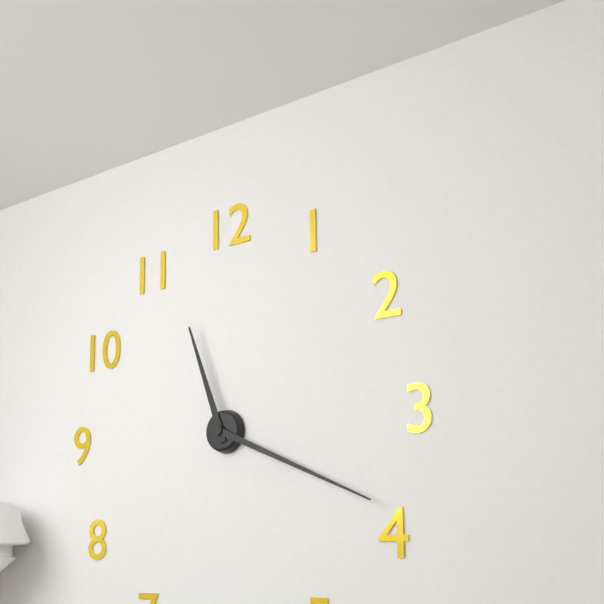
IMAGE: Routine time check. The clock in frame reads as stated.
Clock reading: 11:19
